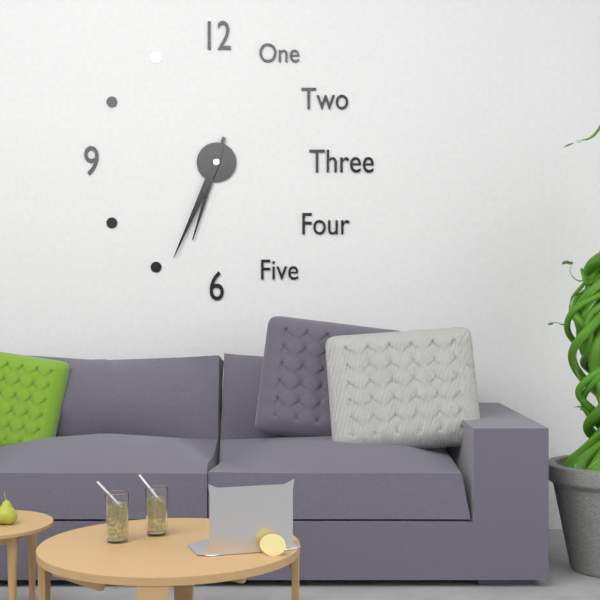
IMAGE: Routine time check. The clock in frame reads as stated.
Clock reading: 6:34
